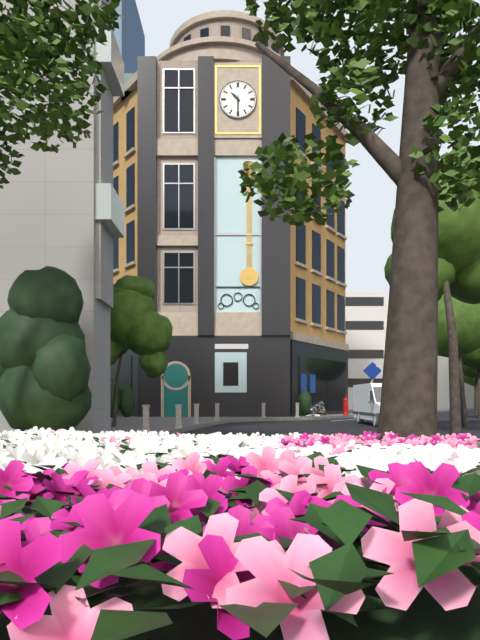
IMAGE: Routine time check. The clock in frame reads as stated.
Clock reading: 10:30
